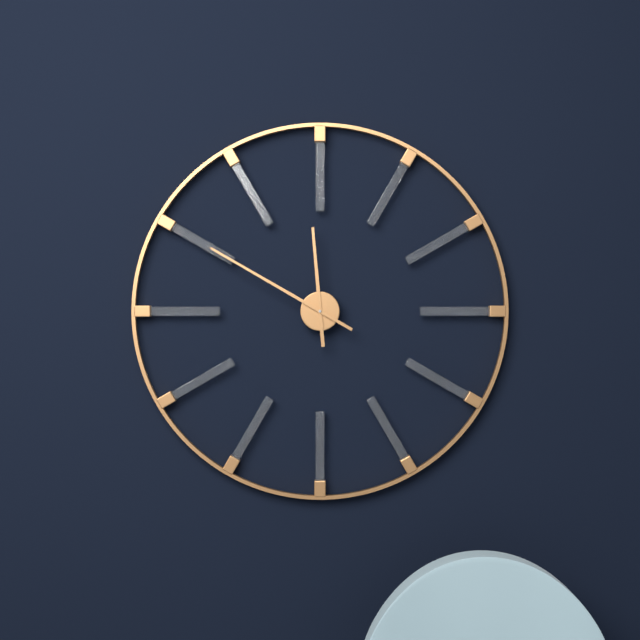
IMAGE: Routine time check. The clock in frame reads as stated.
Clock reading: 11:50
